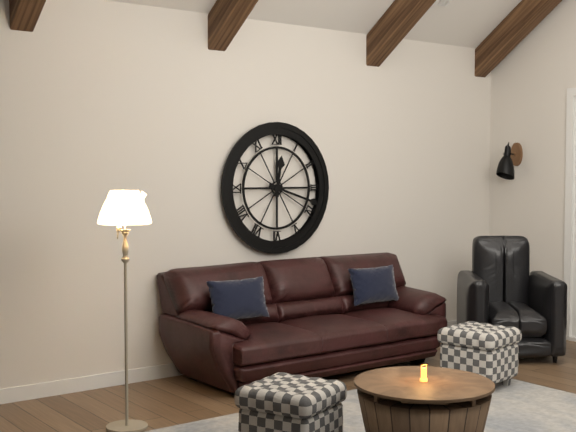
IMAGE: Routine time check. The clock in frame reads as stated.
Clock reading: 12:18
